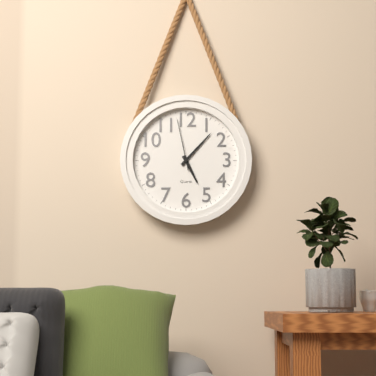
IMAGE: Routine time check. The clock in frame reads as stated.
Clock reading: 5:07:58
